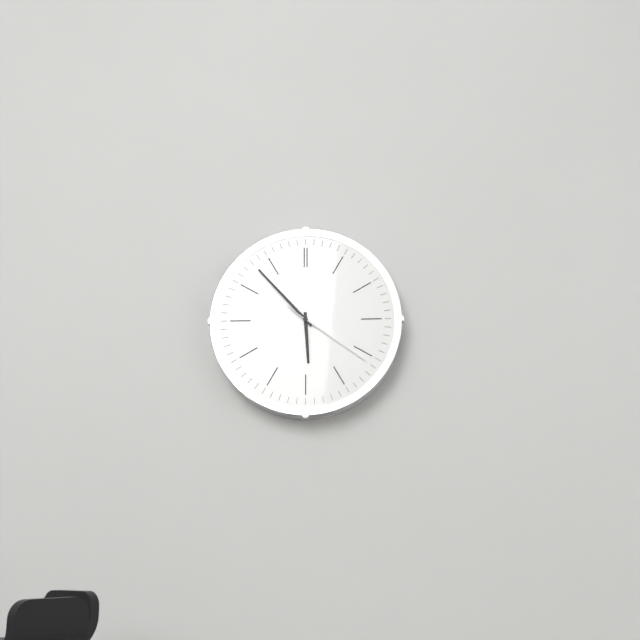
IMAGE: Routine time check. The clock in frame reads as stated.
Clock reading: 5:53:21
